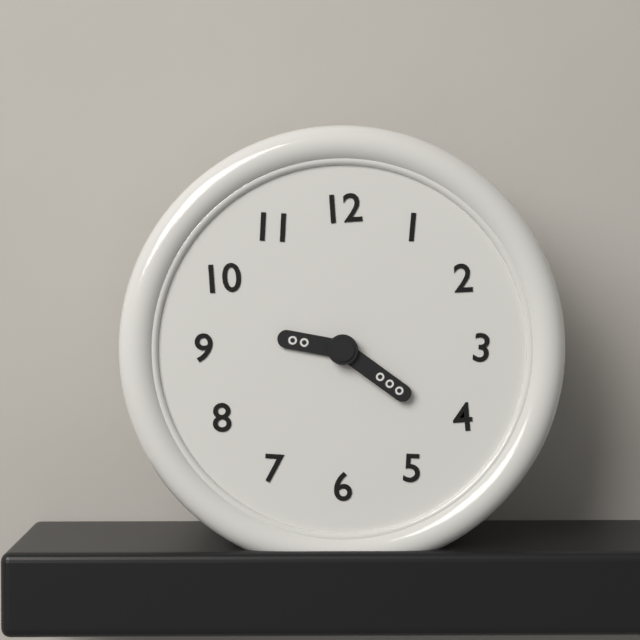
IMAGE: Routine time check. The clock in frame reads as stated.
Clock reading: 9:21
